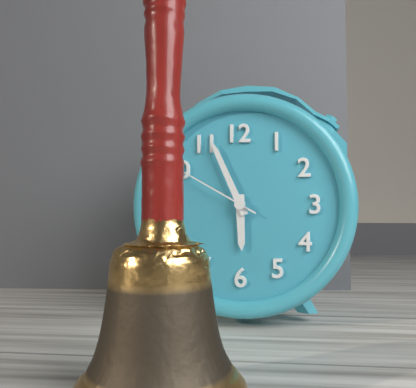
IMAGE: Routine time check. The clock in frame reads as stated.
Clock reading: 5:56:50
